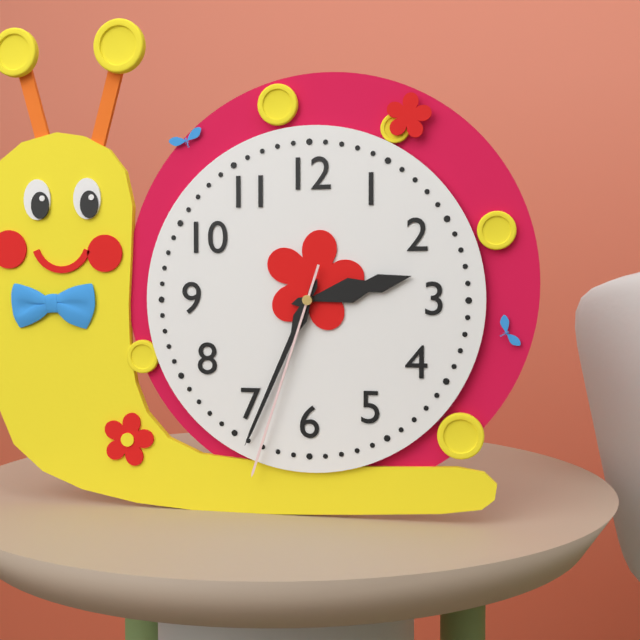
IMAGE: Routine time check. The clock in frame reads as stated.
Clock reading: 2:34:33
